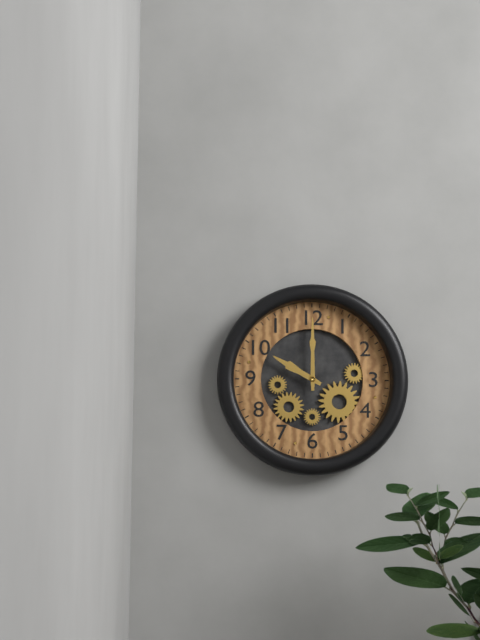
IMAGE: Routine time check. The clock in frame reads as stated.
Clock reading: 10:00
